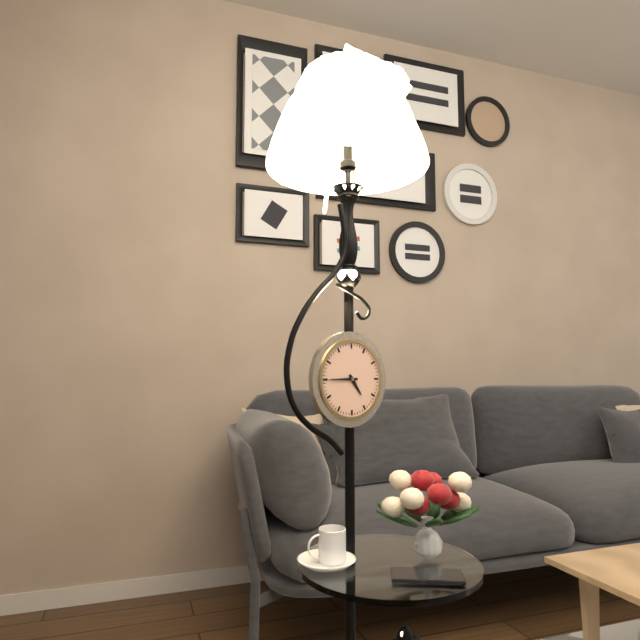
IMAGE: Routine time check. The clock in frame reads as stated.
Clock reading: 4:45
